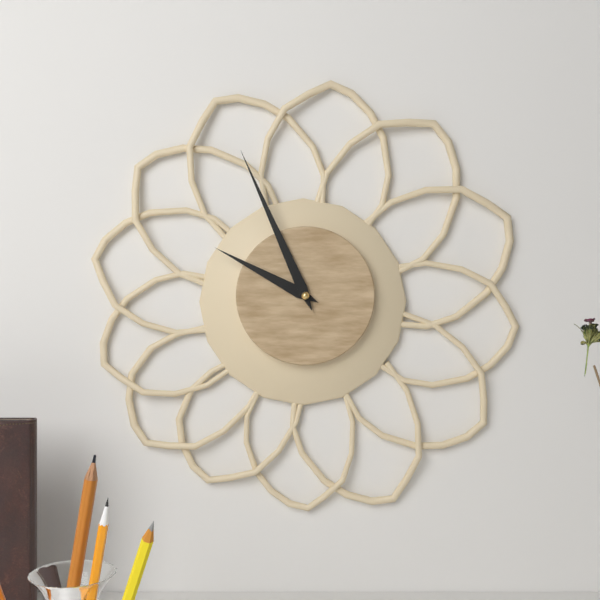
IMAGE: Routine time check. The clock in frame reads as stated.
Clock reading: 9:56
